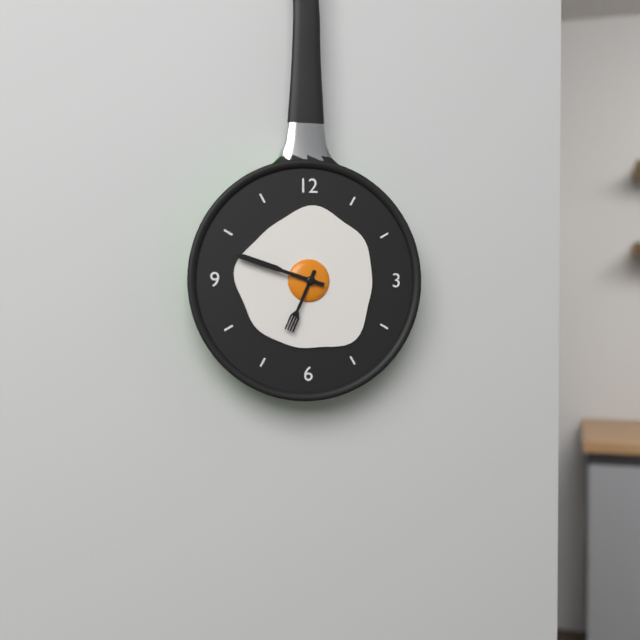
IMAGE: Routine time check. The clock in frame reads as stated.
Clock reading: 6:48
